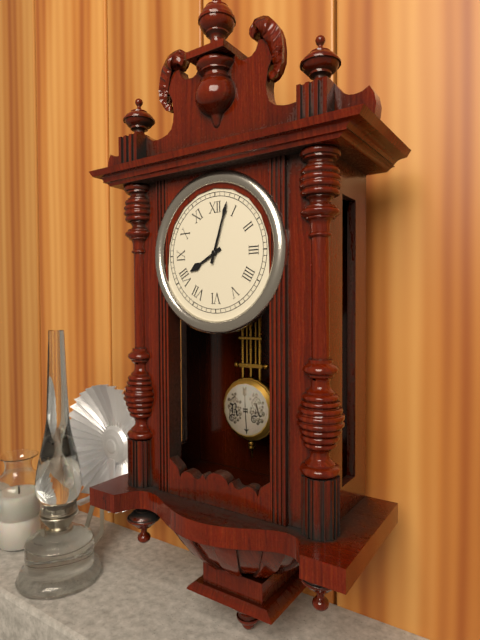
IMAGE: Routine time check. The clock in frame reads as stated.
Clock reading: 8:03
